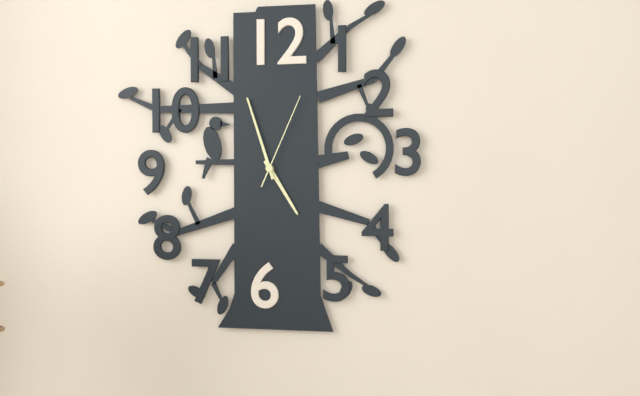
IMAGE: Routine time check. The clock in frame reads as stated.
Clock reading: 4:57:04
